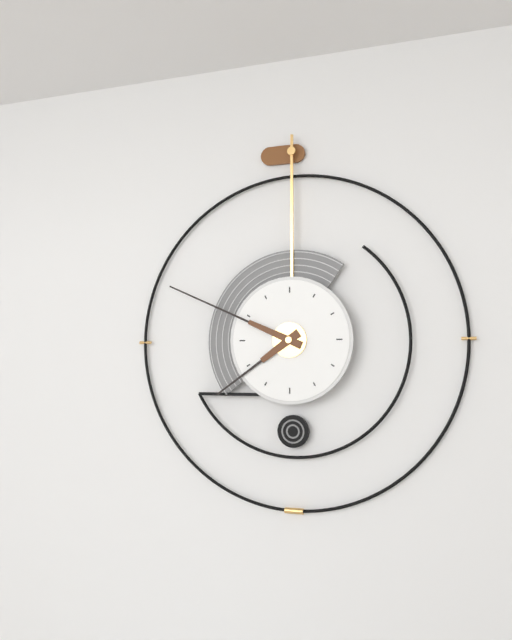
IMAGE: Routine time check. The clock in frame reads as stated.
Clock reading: 7:49
